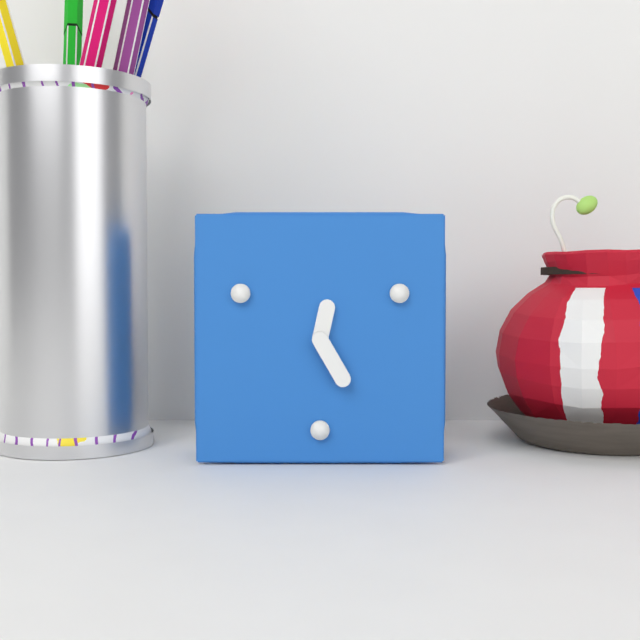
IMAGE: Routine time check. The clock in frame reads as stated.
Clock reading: 12:25
